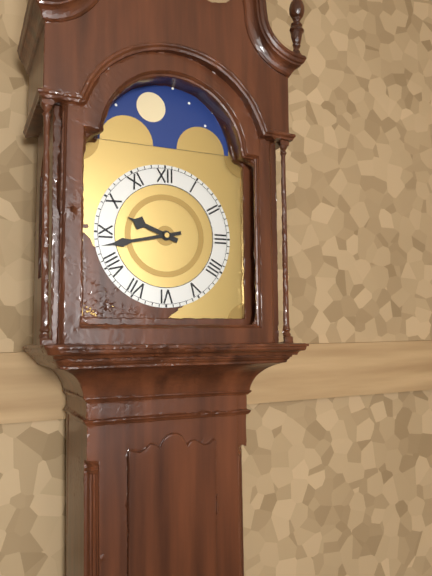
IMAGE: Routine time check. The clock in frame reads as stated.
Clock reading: 9:43
